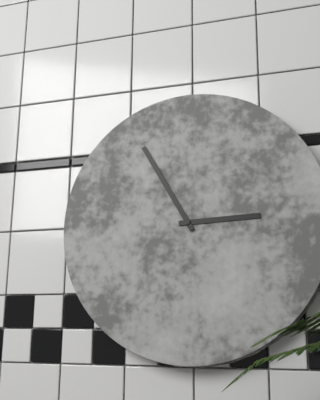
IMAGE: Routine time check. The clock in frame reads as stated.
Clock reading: 2:55
